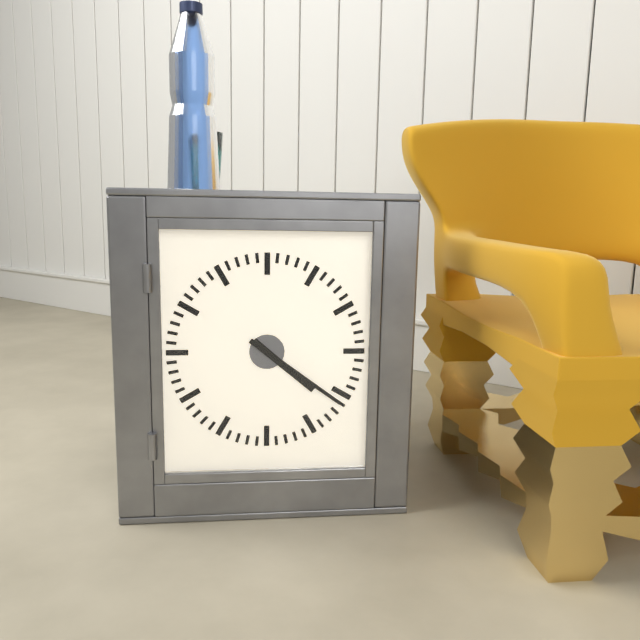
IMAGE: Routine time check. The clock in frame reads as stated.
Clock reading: 4:21
